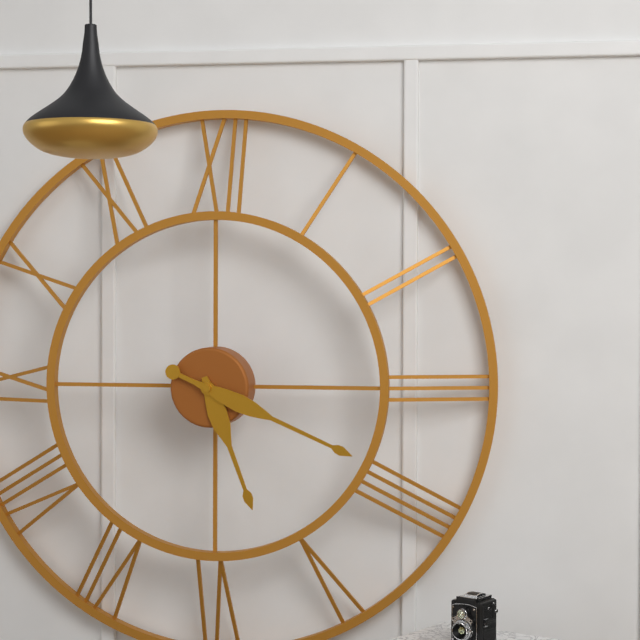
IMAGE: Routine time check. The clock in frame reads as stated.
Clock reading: 5:19
